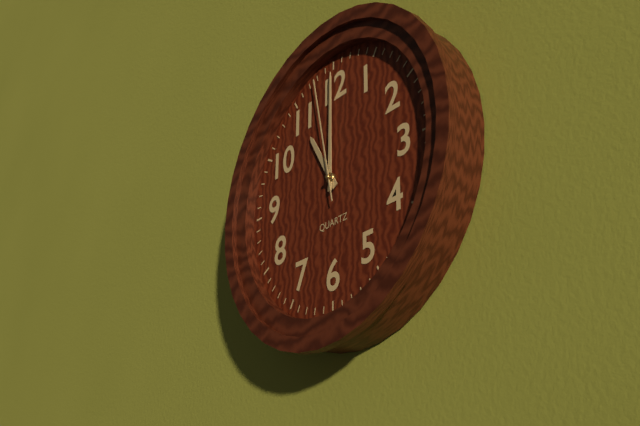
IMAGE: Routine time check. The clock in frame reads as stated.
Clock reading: 11:00:58
